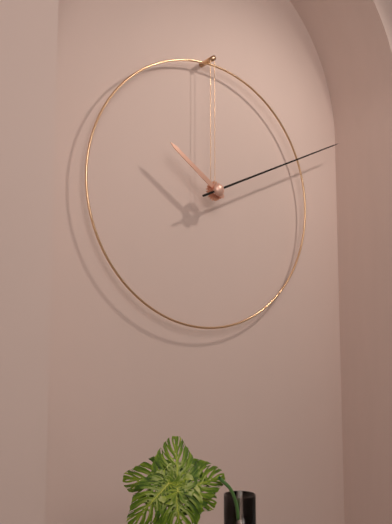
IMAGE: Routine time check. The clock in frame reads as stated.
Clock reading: 10:11
